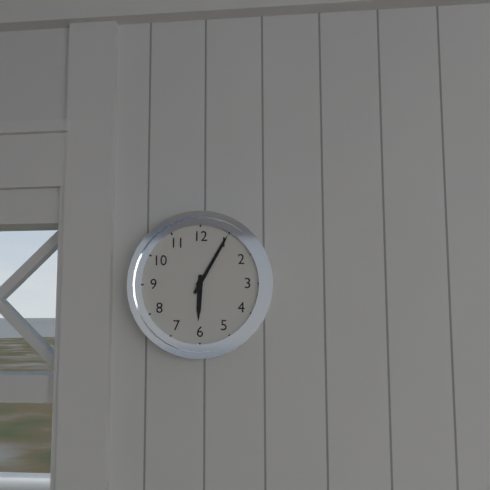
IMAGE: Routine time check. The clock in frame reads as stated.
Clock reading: 6:05
